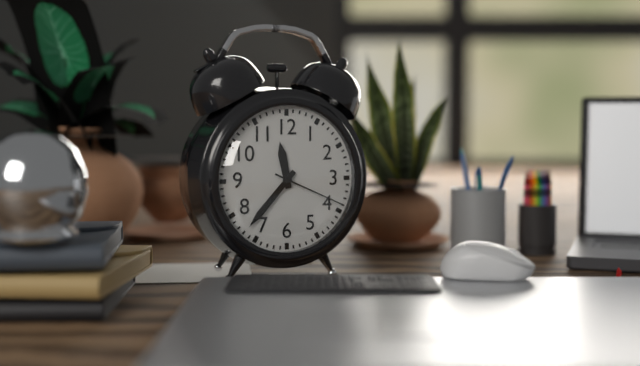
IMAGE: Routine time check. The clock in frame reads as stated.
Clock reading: 11:37:19
